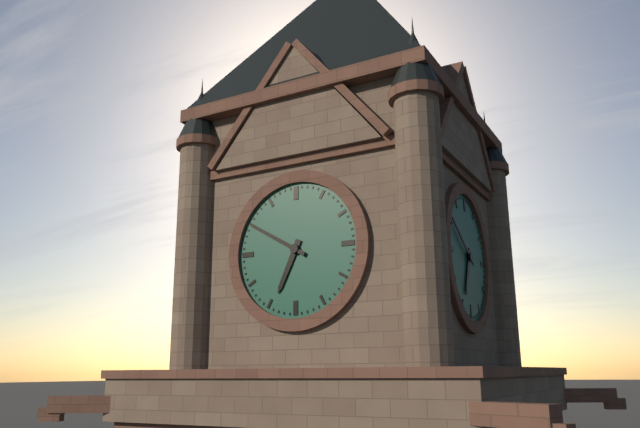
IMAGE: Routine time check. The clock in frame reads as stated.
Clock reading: 6:50
